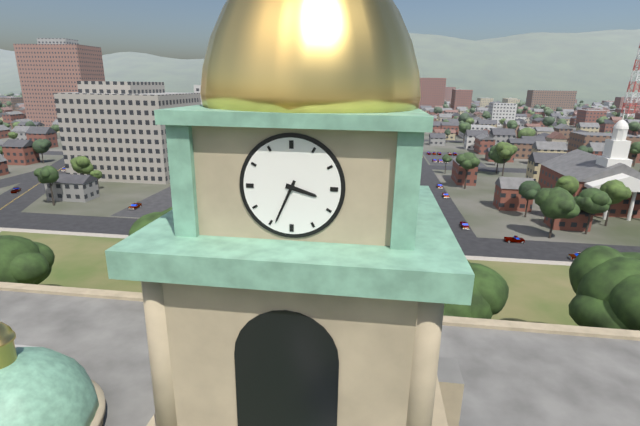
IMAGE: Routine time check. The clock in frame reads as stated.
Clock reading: 3:34
